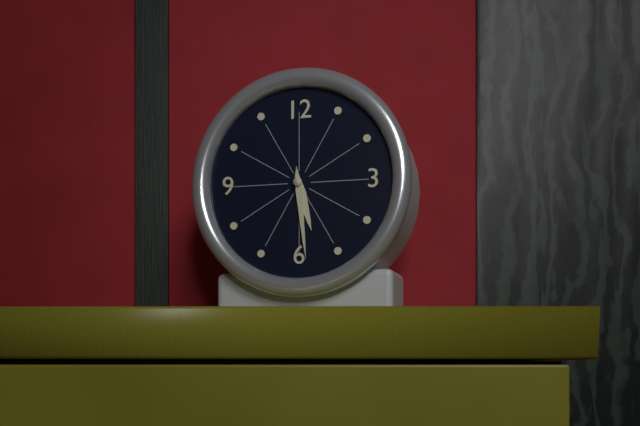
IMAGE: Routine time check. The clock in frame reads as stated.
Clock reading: 5:29
